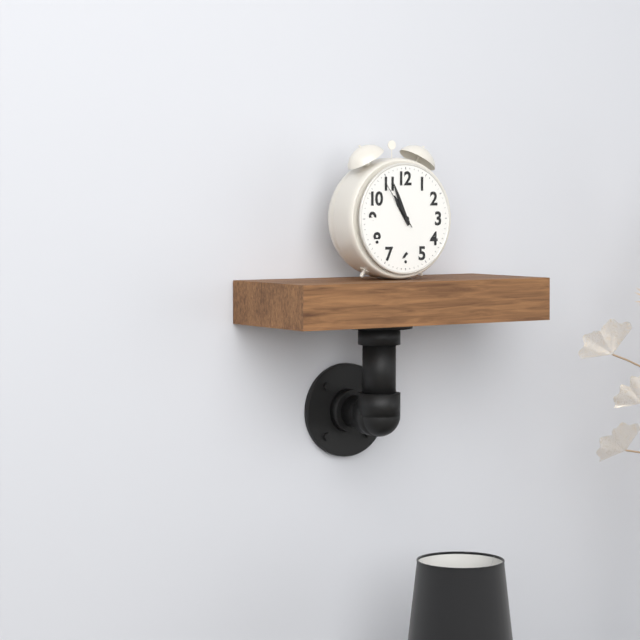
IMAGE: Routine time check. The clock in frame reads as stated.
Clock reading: 10:56
